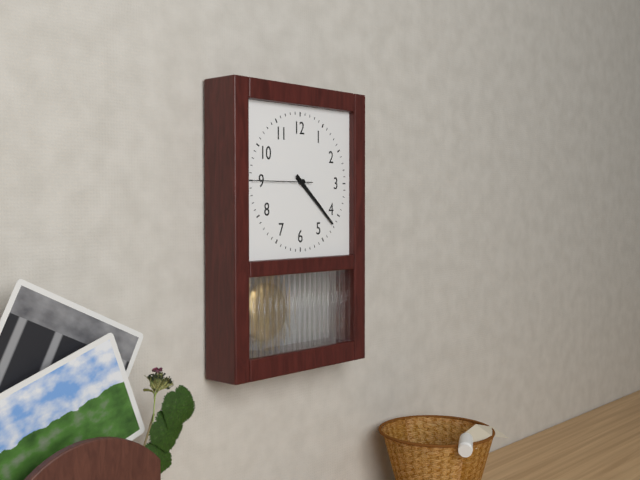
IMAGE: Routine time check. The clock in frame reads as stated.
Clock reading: 4:22:45
